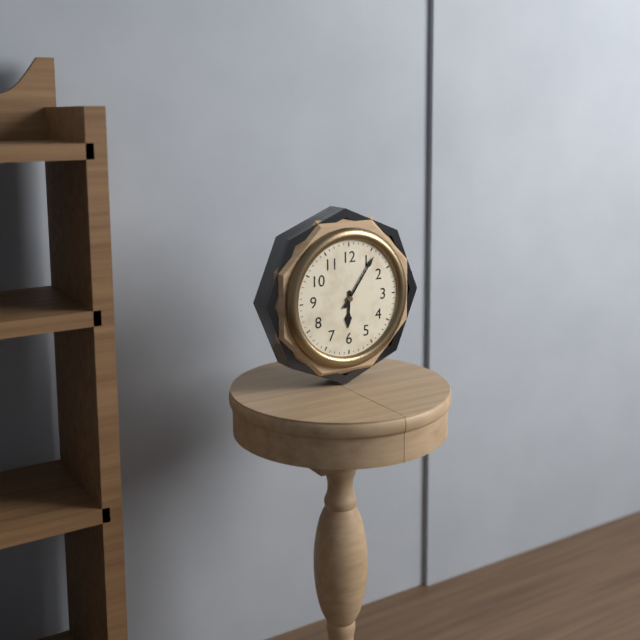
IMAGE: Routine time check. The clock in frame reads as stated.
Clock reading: 6:06
